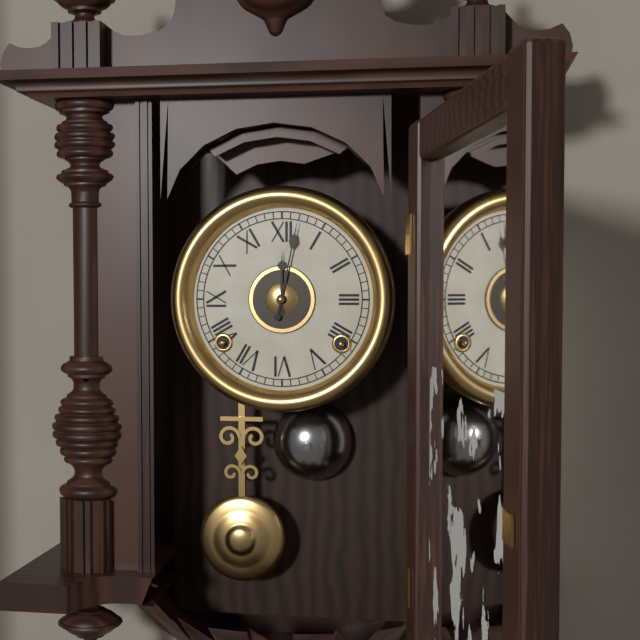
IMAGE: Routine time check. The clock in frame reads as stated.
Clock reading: 12:02
